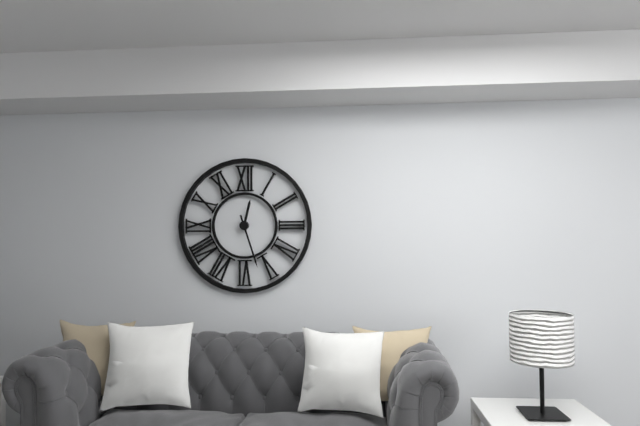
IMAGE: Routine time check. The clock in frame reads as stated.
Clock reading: 12:27
